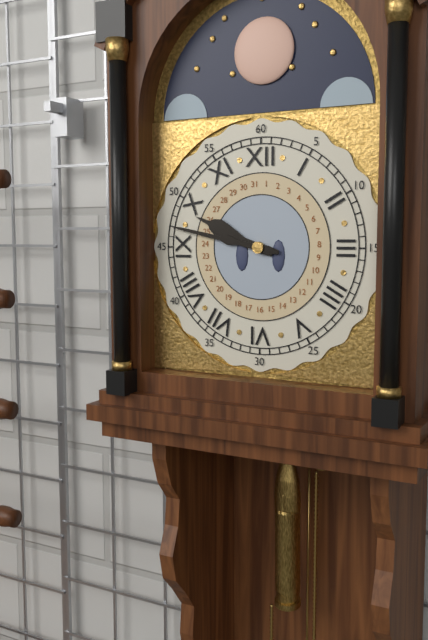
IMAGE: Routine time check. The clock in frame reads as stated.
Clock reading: 9:47
